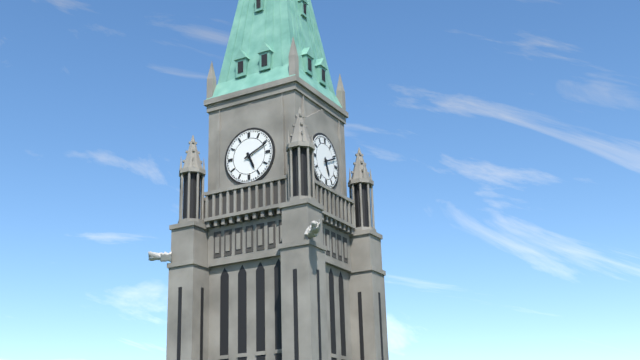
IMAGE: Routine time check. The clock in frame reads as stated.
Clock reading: 5:11
